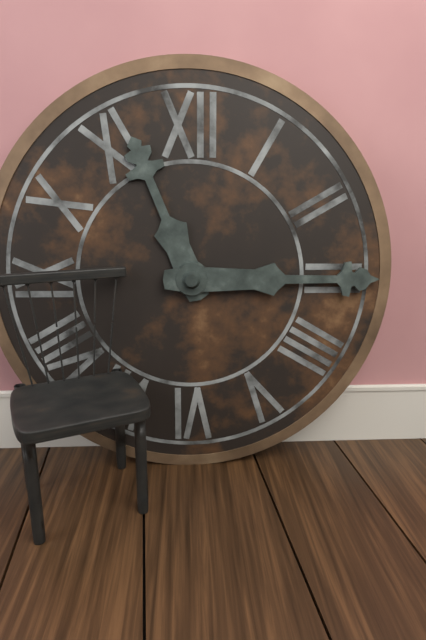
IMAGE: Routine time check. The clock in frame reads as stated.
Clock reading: 11:15
